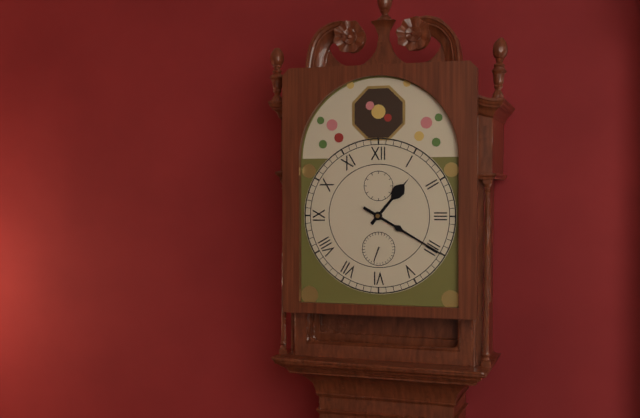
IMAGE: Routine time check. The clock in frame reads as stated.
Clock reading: 1:20
